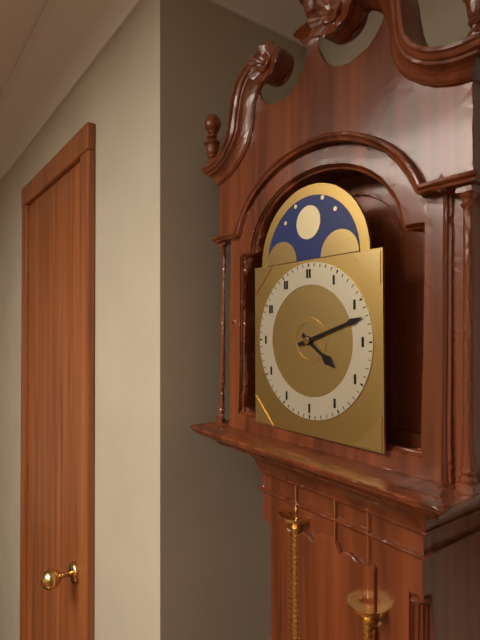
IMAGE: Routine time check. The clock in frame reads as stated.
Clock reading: 4:12
